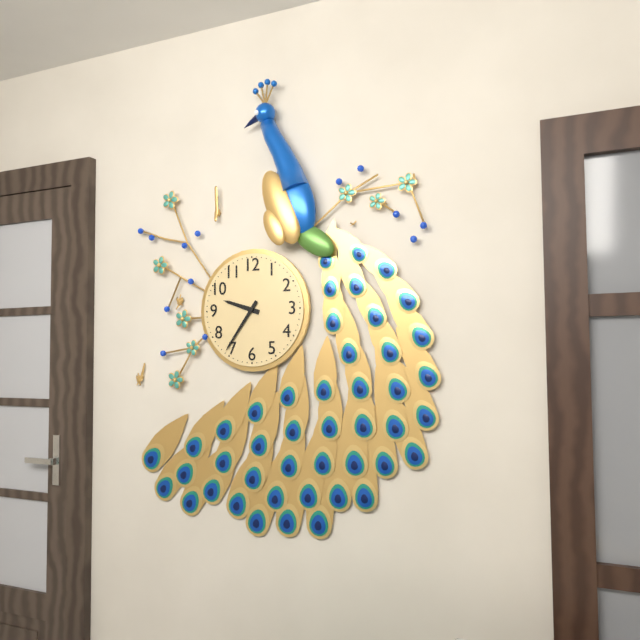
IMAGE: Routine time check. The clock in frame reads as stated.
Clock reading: 9:36
